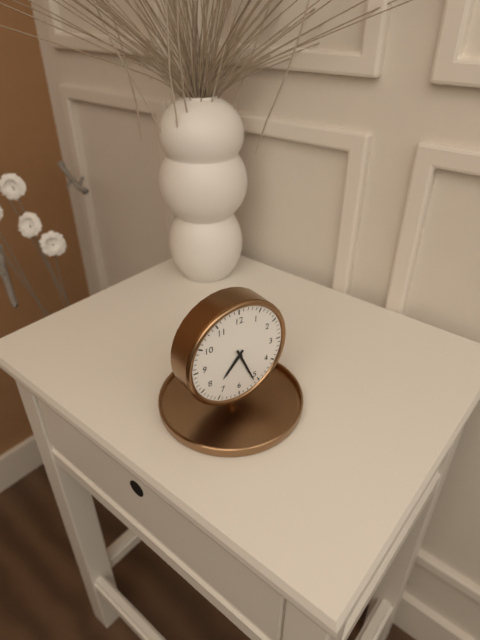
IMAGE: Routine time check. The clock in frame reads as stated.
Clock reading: 7:26
